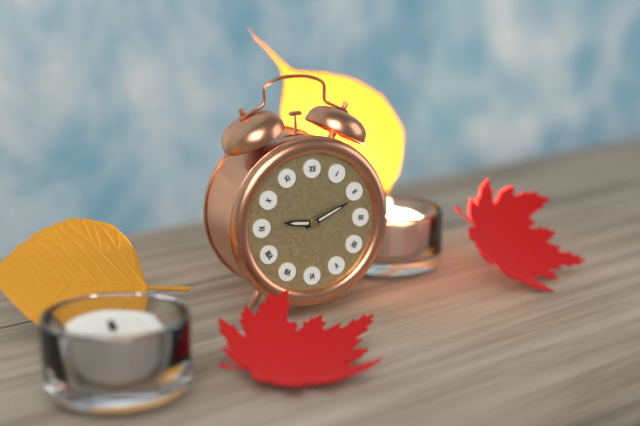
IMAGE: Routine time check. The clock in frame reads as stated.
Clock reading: 9:11
